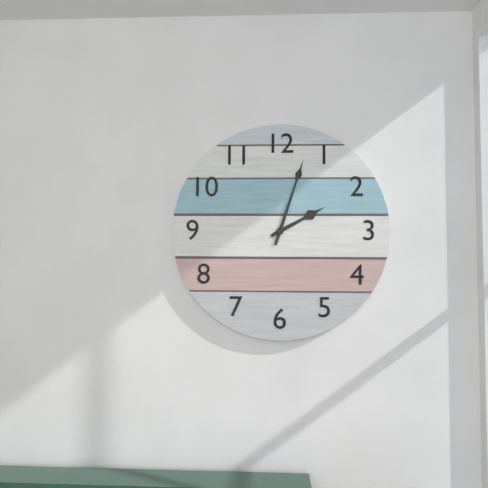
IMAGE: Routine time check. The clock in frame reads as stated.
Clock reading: 2:03
